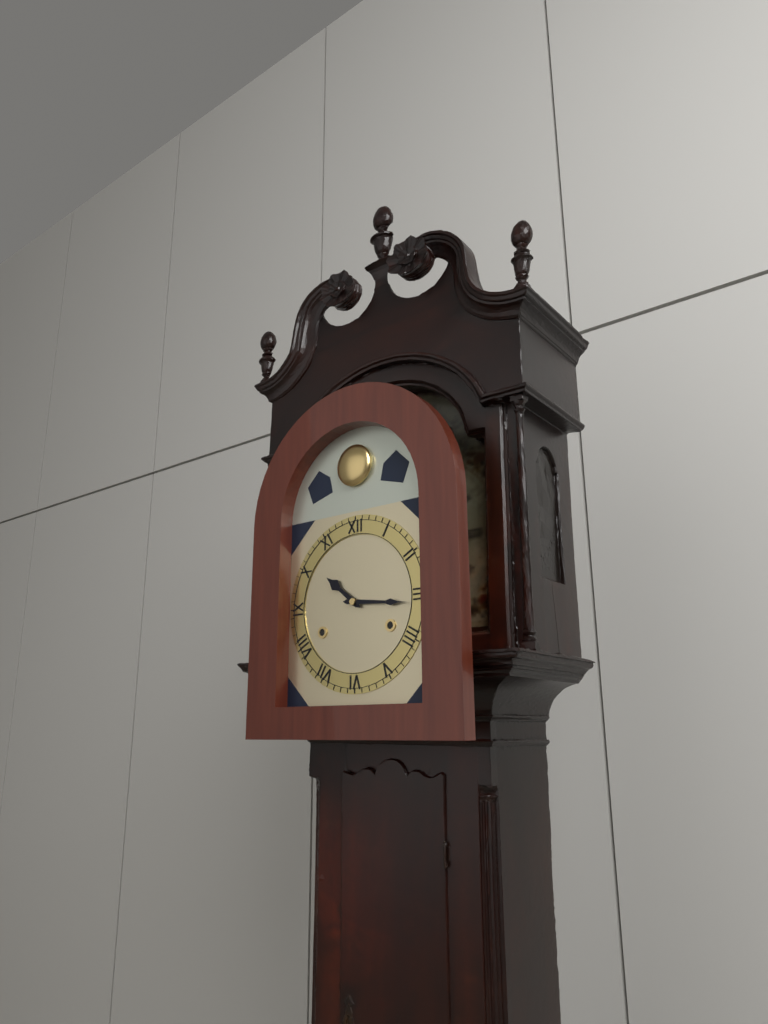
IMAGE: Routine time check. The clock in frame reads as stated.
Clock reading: 10:16
